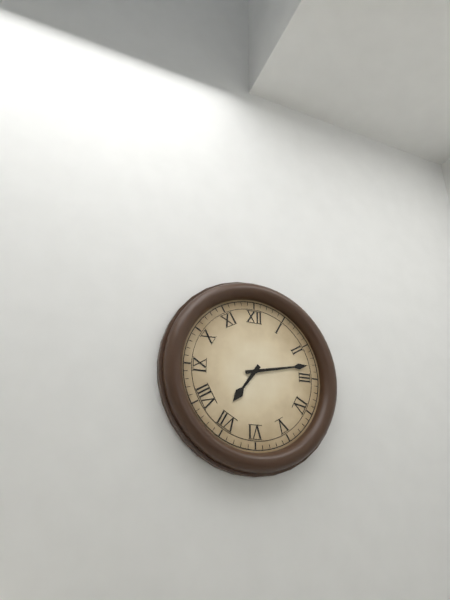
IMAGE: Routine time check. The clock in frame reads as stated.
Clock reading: 7:13
